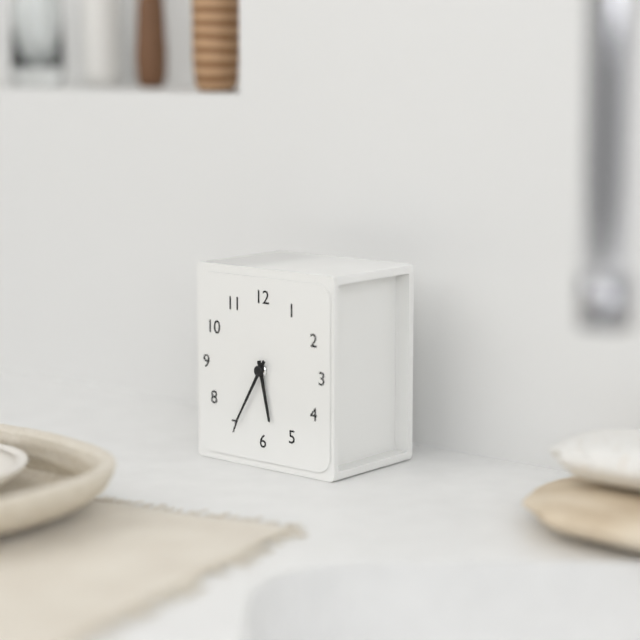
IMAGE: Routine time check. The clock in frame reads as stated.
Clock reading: 5:35
